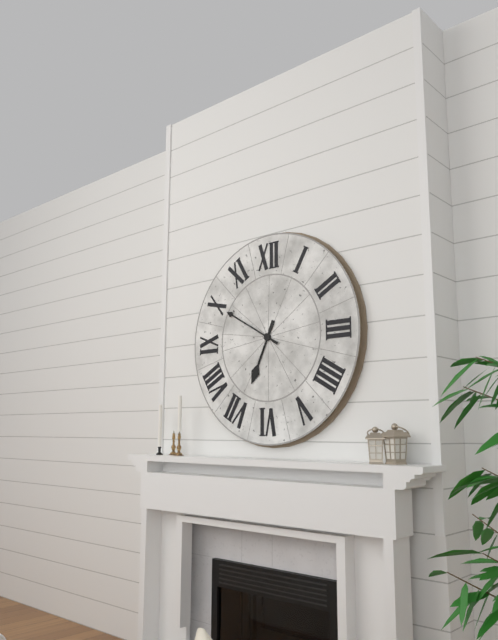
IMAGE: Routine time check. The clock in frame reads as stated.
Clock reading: 6:50
